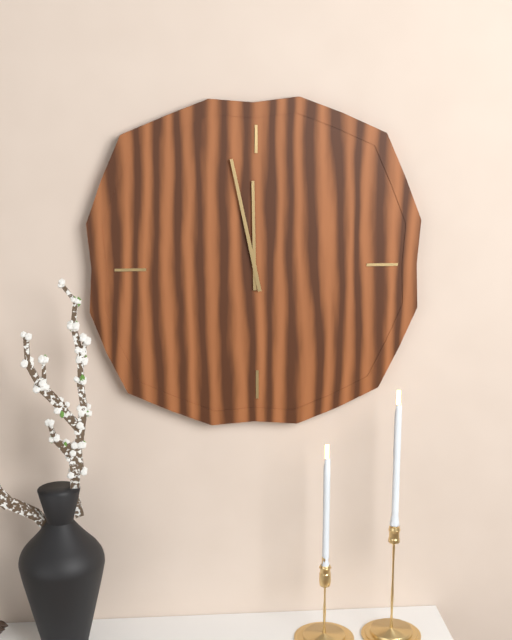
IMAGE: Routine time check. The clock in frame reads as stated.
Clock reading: 11:58
